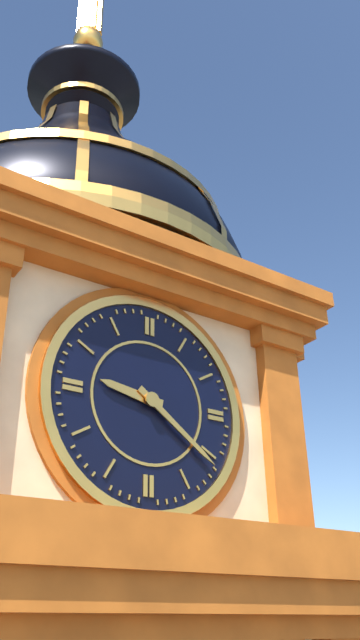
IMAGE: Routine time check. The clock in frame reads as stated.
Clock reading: 9:21
